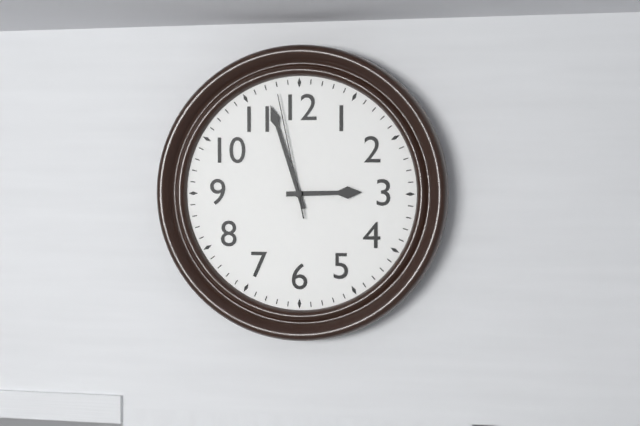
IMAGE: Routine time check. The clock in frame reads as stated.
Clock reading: 2:57:58
